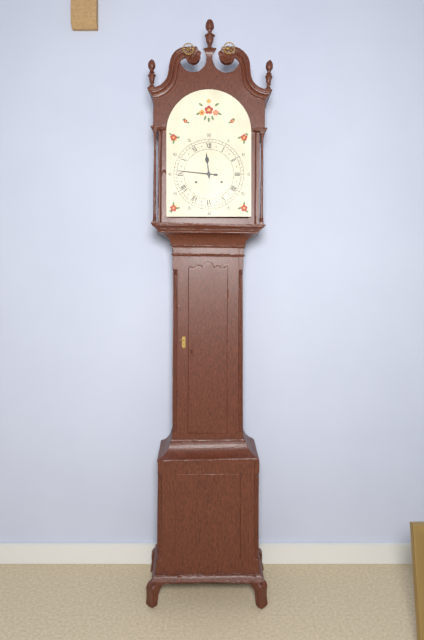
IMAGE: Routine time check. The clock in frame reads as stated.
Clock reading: 11:46
